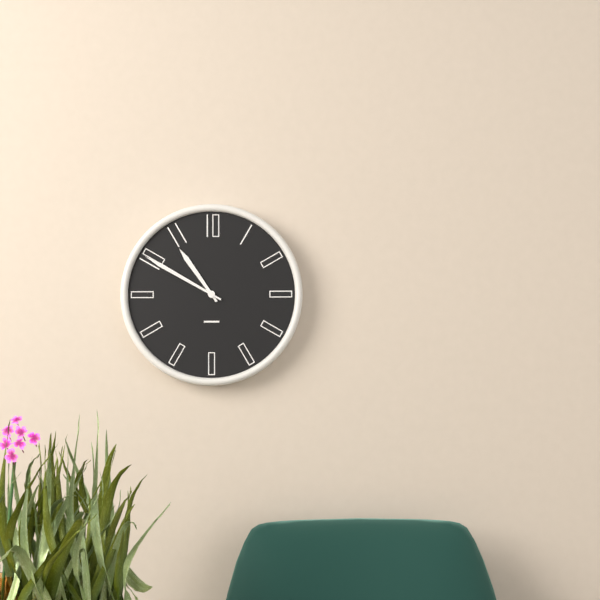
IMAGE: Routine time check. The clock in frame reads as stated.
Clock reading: 10:50
